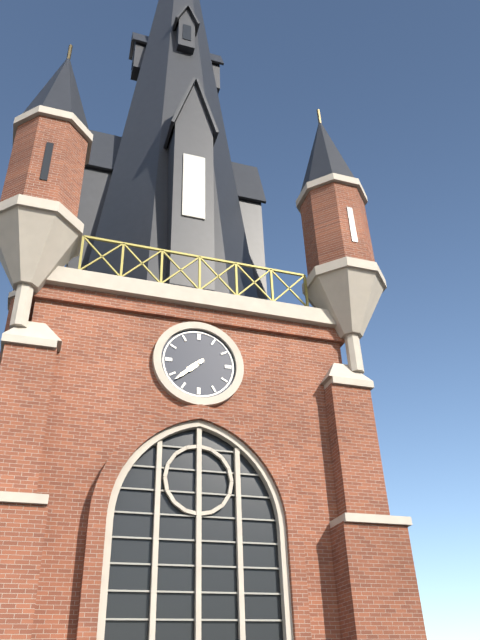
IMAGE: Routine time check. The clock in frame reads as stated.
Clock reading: 7:38
